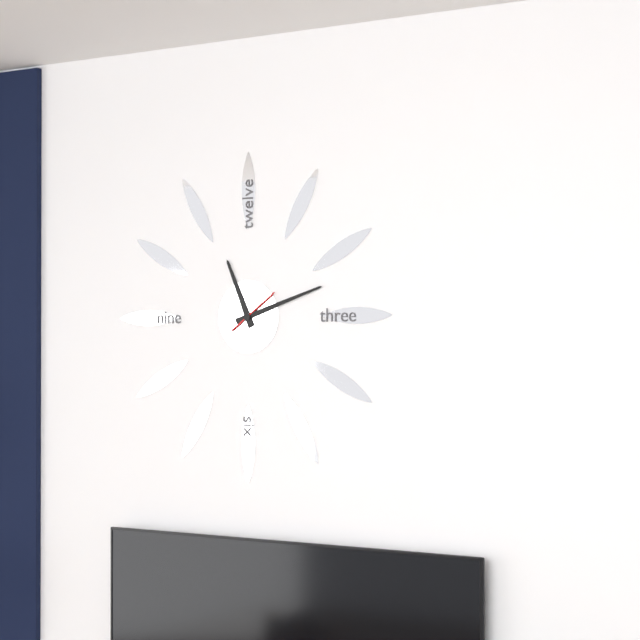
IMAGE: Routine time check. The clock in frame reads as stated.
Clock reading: 11:12
